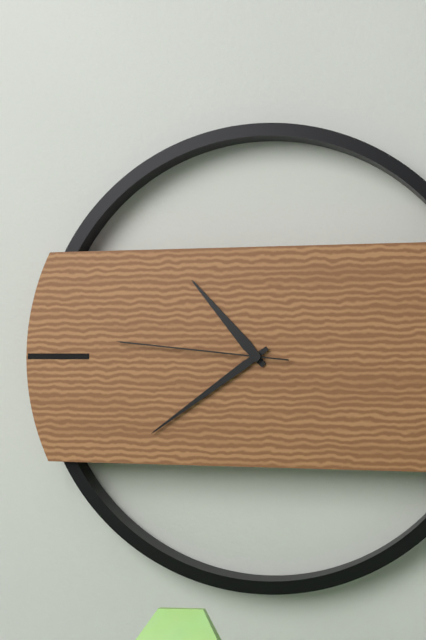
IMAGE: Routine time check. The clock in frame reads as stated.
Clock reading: 10:39:46
